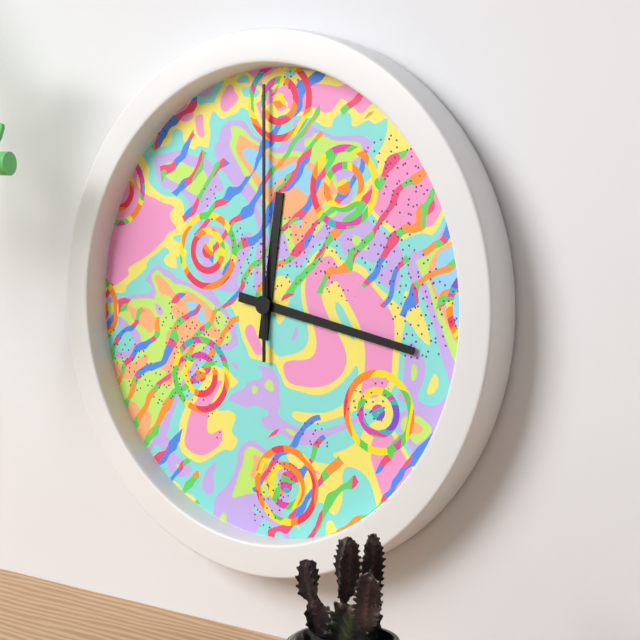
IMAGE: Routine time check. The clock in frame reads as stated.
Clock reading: 12:17:00
